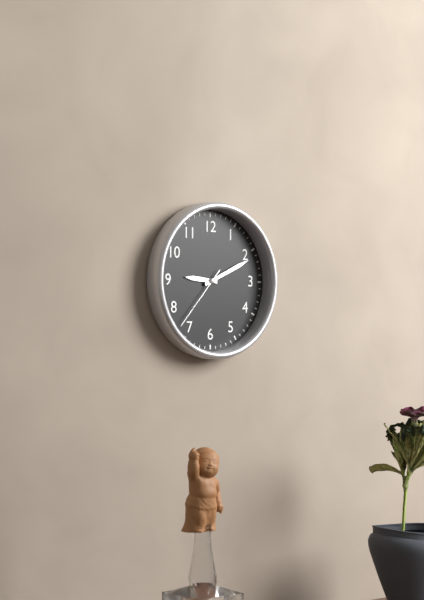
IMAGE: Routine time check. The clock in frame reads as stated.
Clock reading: 9:11:37
